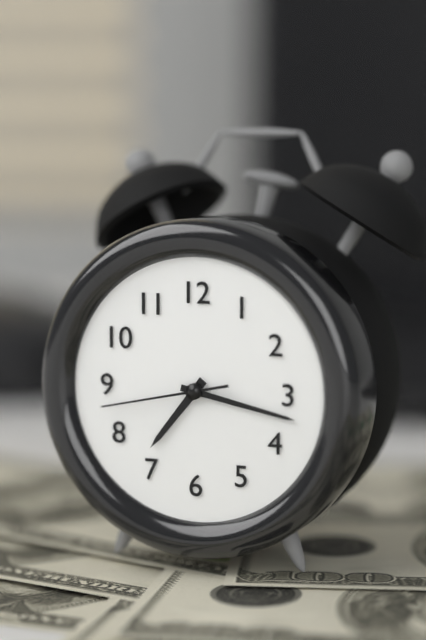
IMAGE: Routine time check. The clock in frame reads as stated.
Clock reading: 7:17:43
